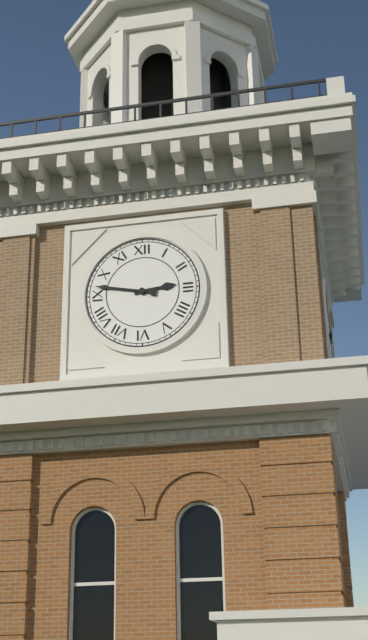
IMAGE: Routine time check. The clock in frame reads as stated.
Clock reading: 2:47
